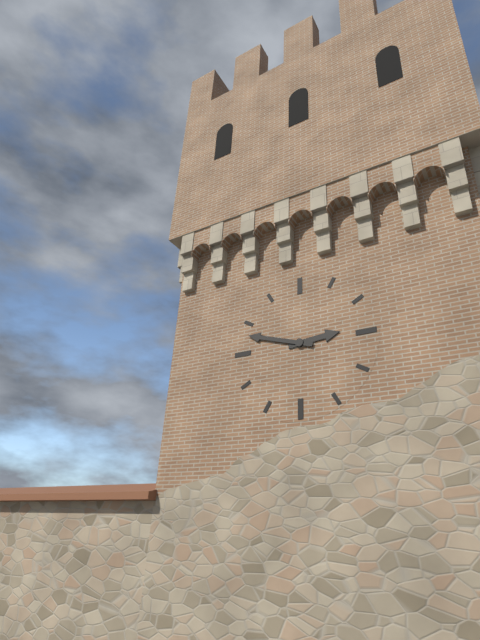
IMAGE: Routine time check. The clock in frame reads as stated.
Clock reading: 2:48
